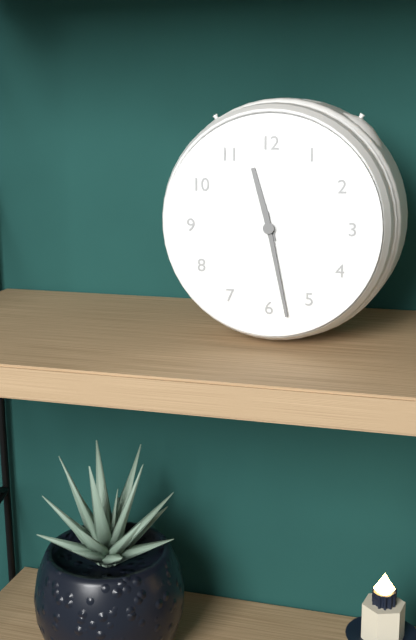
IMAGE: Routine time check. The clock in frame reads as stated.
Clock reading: 11:28
